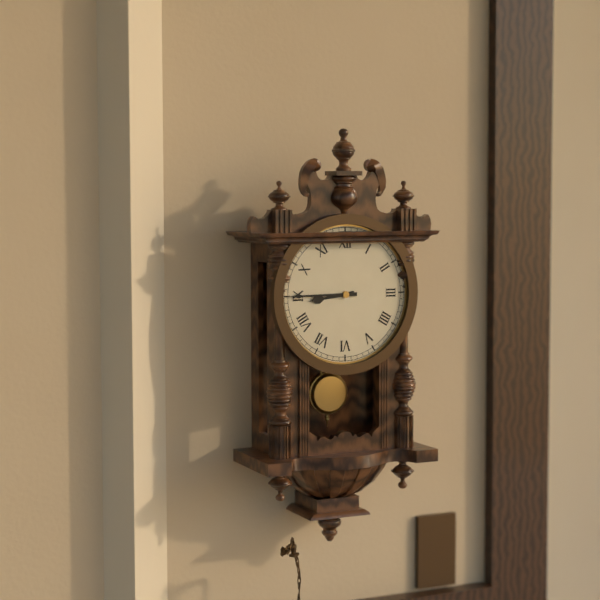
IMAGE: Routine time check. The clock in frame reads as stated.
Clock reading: 8:45
